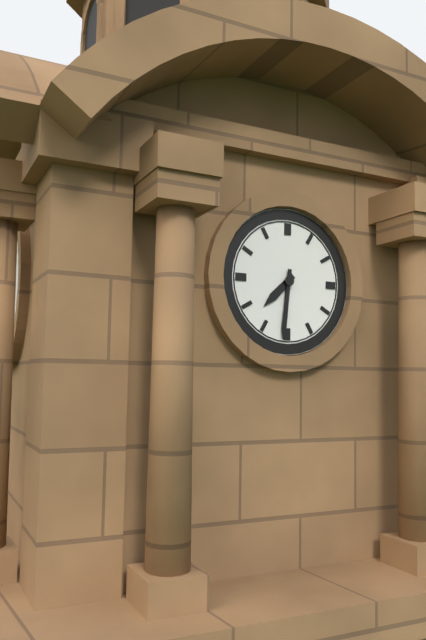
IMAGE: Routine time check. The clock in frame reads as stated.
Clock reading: 7:31
